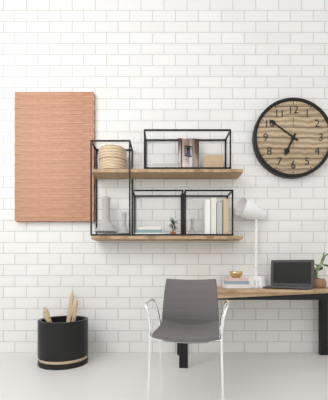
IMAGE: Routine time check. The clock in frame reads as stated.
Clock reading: 6:51
